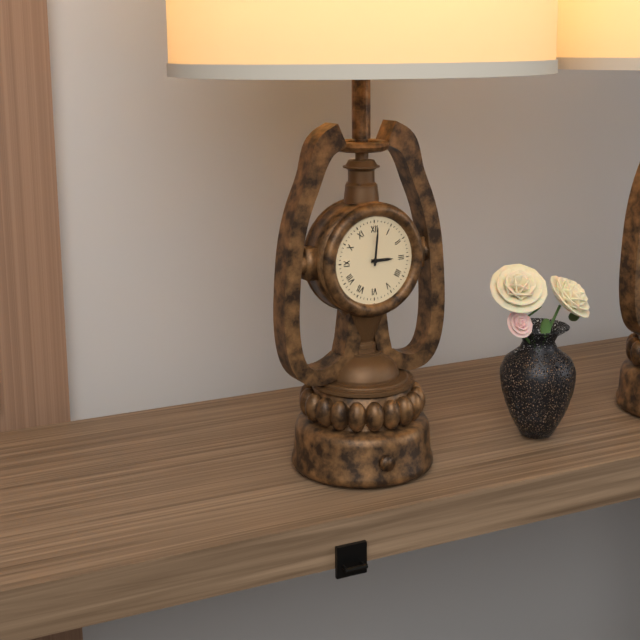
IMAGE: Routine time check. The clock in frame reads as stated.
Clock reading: 3:01
